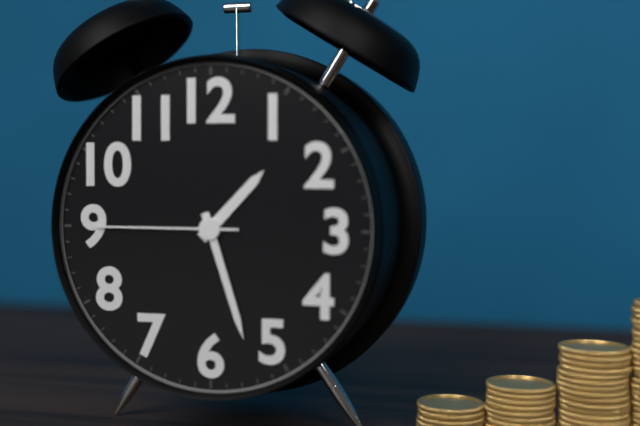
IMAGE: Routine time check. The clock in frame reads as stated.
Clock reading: 1:27:45
